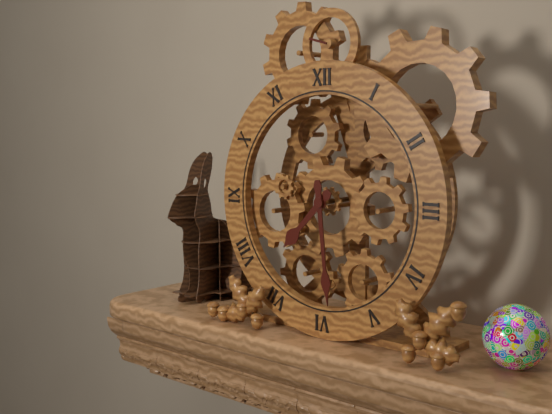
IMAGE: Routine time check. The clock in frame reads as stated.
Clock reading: 7:29
